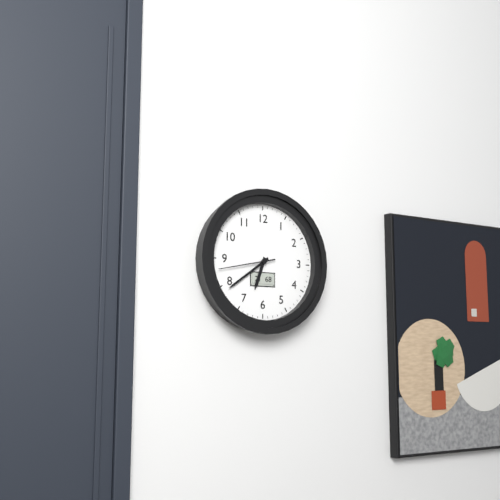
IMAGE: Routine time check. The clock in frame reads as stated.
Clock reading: 6:39:43
